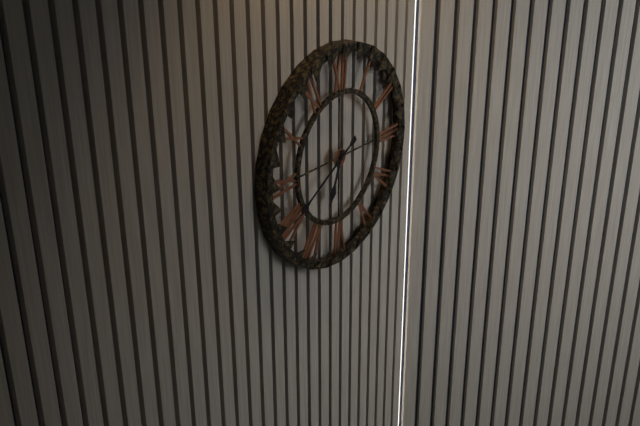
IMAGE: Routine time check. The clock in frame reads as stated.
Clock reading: 6:40
